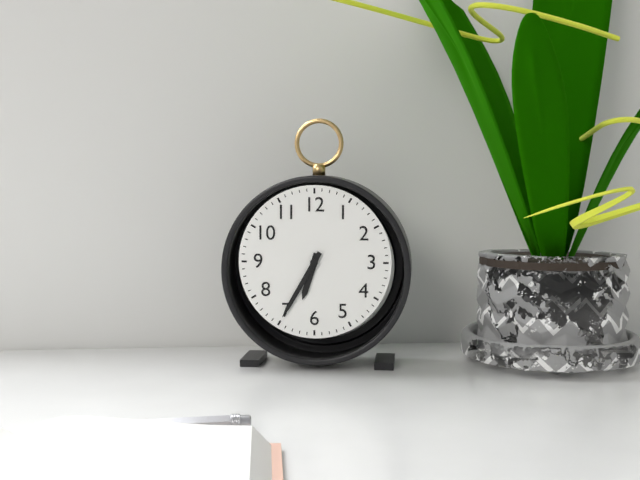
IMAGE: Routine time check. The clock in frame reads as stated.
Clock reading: 6:35
